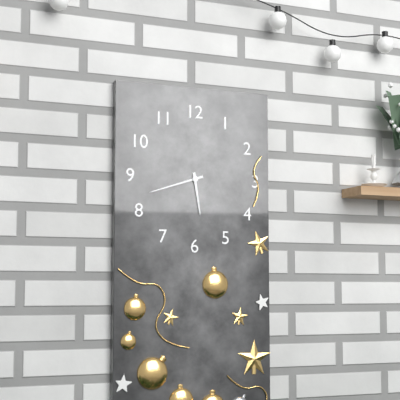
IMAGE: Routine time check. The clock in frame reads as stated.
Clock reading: 5:42
